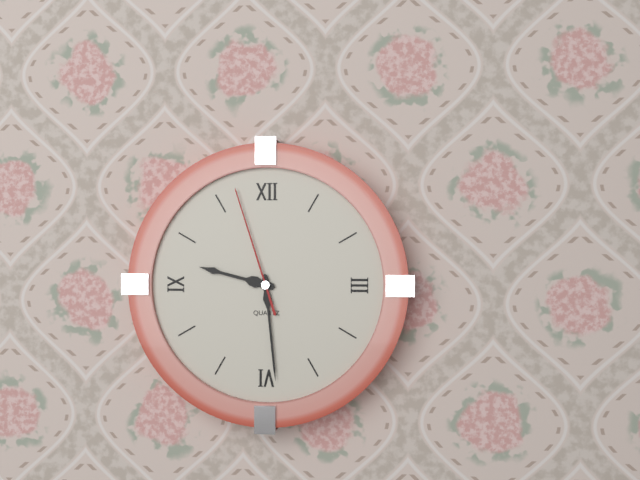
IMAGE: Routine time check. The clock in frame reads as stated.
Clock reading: 9:29:57
